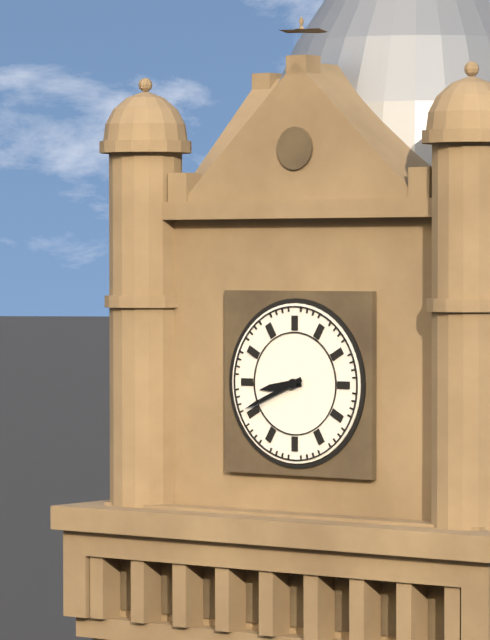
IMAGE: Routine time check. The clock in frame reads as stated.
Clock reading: 8:41
